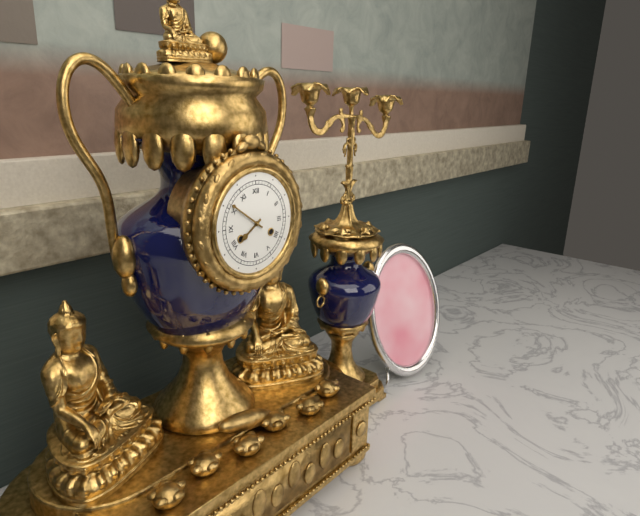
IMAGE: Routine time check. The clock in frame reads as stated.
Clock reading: 7:51
